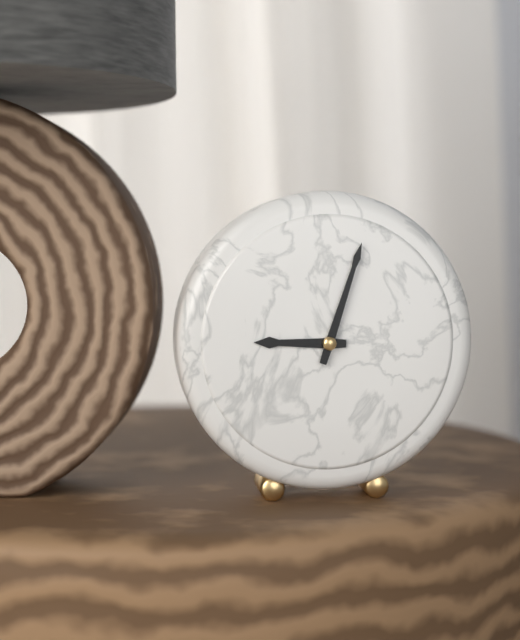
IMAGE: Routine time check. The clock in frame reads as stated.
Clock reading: 9:03
